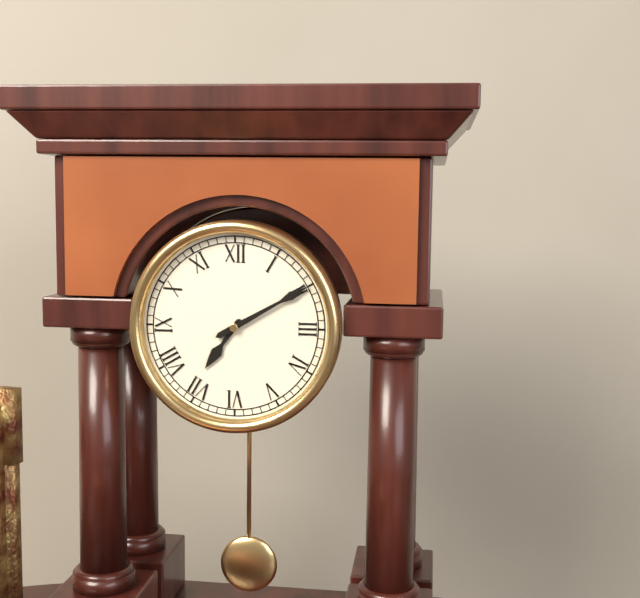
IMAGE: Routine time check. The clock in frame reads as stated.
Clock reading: 7:10
